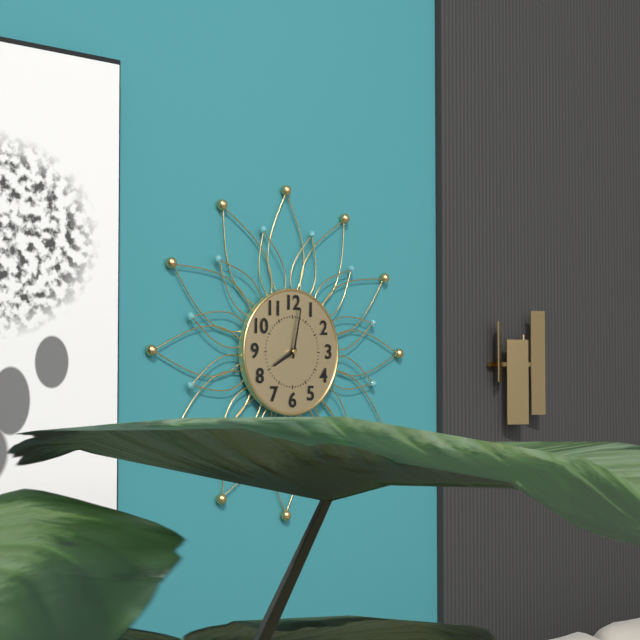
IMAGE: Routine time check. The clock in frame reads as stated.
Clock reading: 8:02
